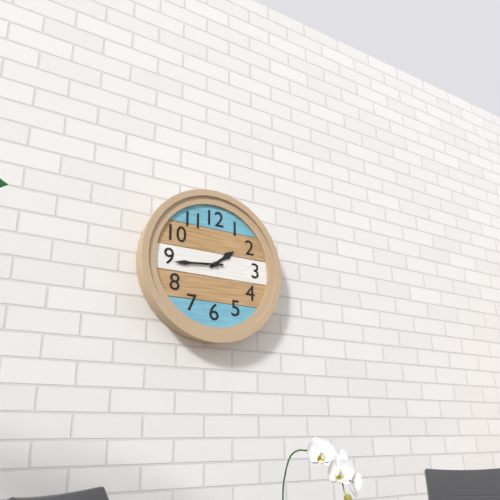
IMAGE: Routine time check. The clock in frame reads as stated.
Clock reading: 1:44
